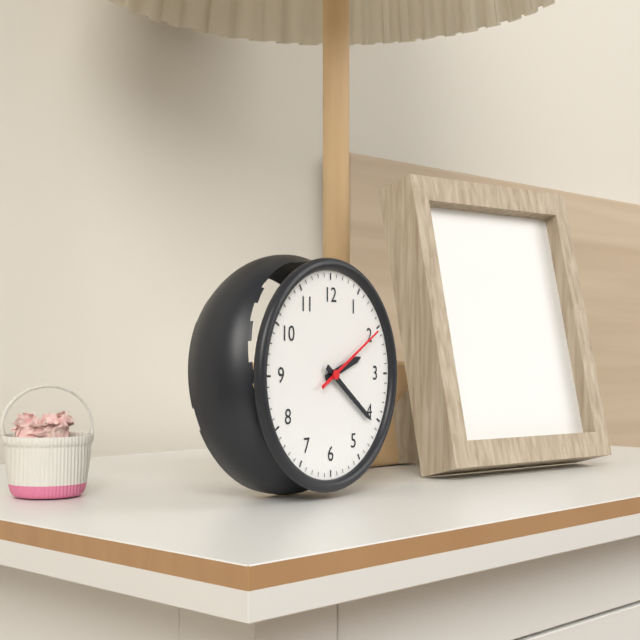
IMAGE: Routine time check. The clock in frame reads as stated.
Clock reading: 2:21:10
